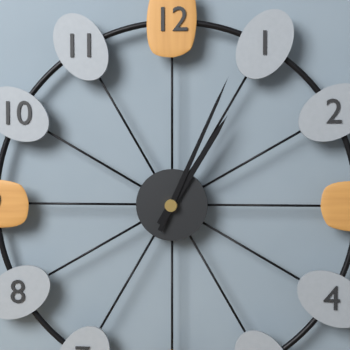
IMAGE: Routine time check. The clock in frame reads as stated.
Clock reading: 1:04
